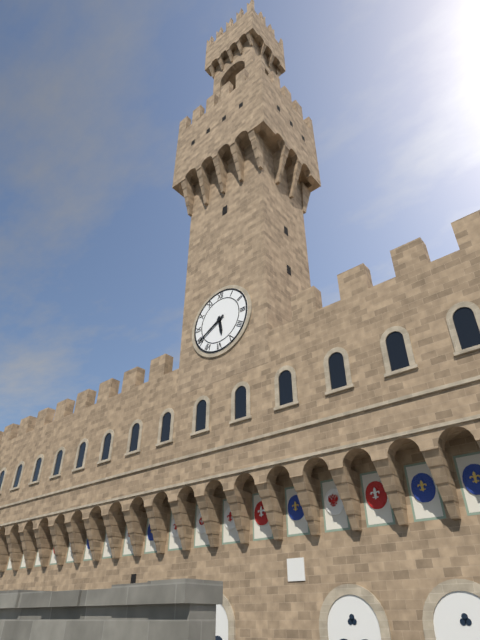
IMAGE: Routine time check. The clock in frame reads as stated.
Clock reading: 5:40
